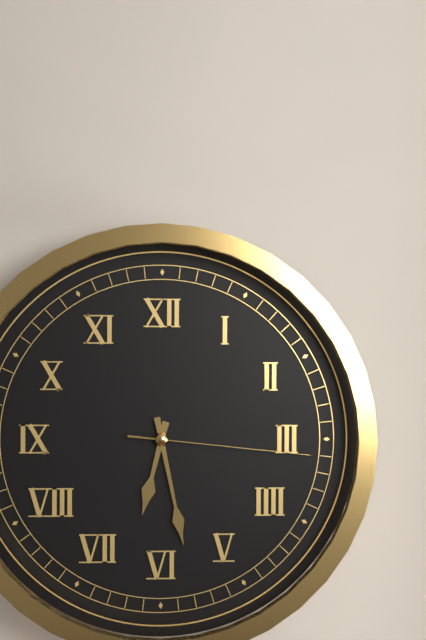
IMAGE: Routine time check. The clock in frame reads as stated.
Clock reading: 6:28:16
